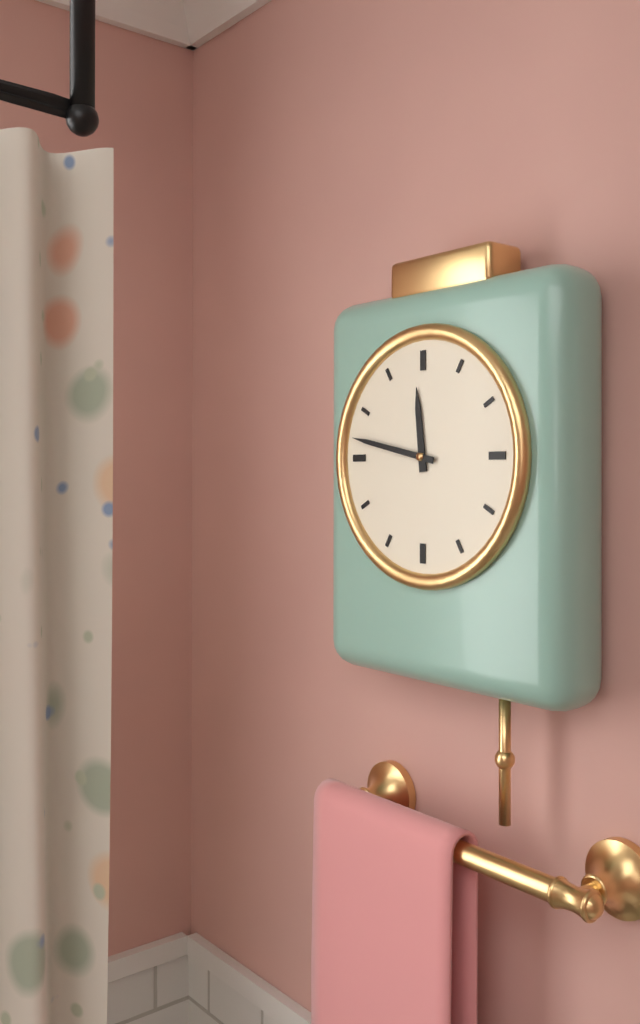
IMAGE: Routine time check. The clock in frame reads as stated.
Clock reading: 11:47
